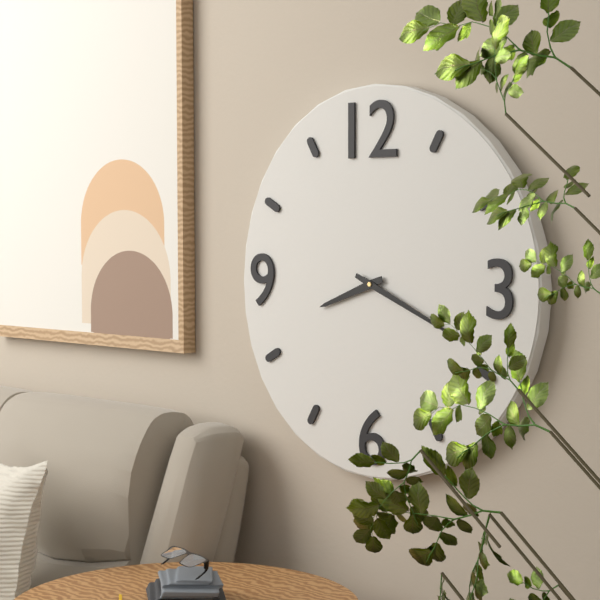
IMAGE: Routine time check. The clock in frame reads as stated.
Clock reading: 8:19
